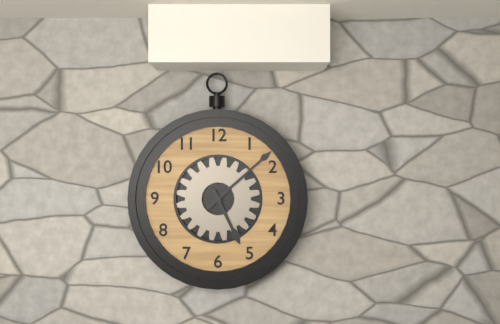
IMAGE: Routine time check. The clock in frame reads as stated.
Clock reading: 5:08
